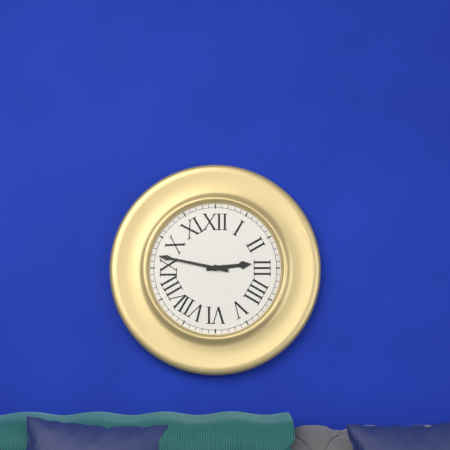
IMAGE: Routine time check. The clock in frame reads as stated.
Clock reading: 2:47
